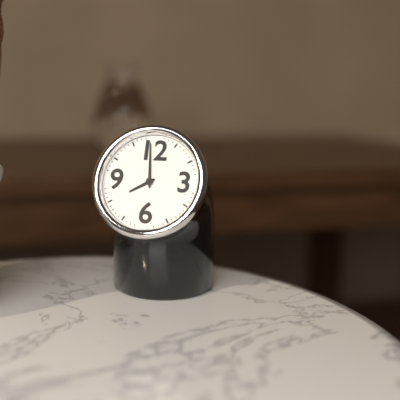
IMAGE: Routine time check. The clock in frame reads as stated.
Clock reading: 7:59
